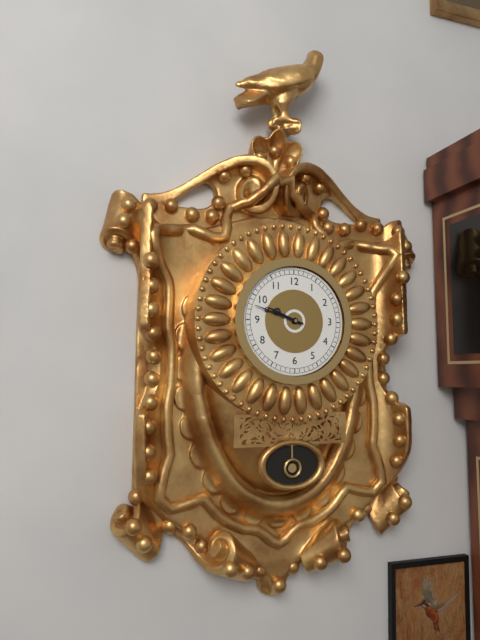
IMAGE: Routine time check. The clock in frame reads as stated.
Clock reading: 9:48
